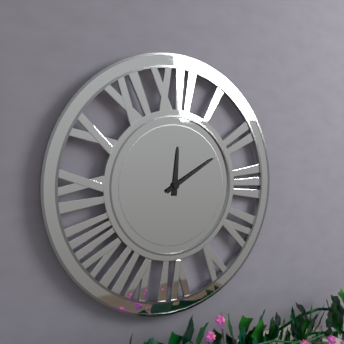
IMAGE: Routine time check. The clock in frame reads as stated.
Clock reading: 12:10
